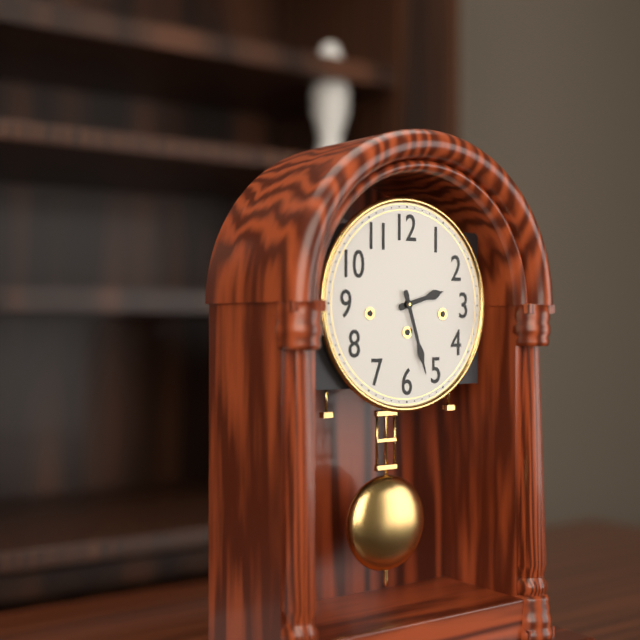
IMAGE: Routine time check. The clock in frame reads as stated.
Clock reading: 2:27
